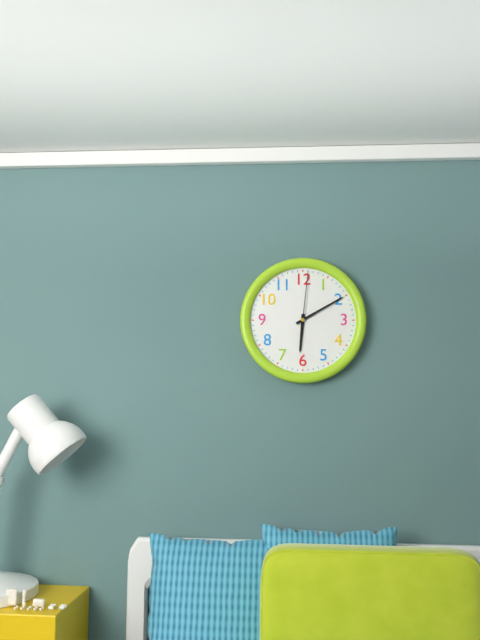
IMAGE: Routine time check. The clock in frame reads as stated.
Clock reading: 6:10:01
